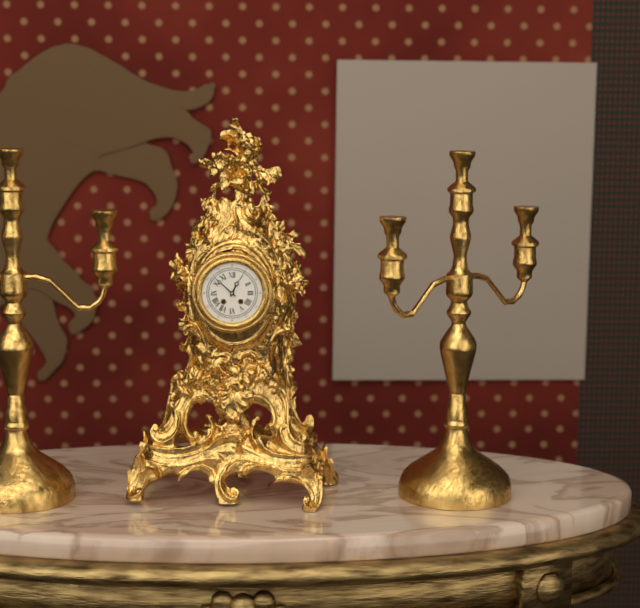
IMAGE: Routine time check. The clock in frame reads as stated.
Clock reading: 12:52
